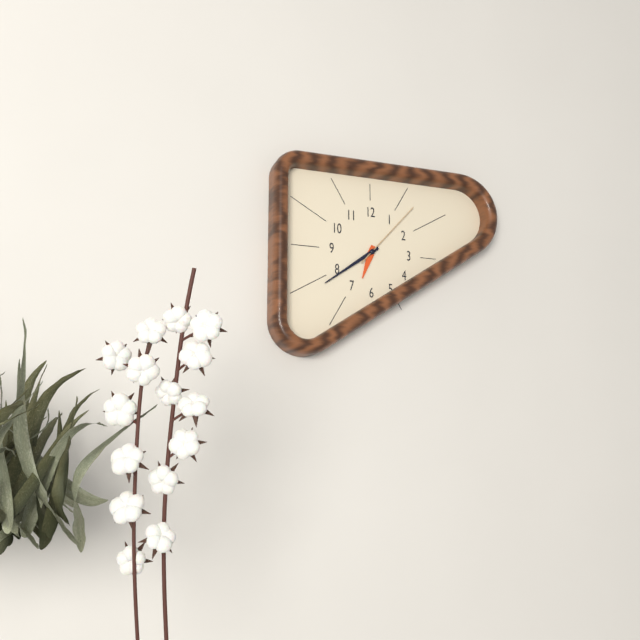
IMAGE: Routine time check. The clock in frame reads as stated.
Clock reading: 6:39:07
